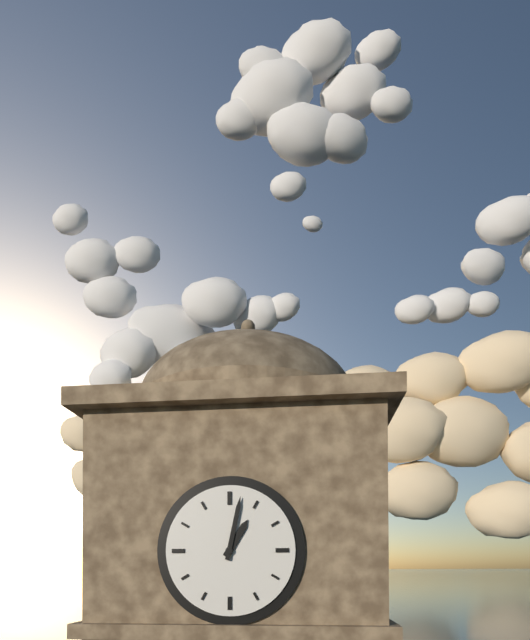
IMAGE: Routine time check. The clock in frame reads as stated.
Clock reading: 1:02
